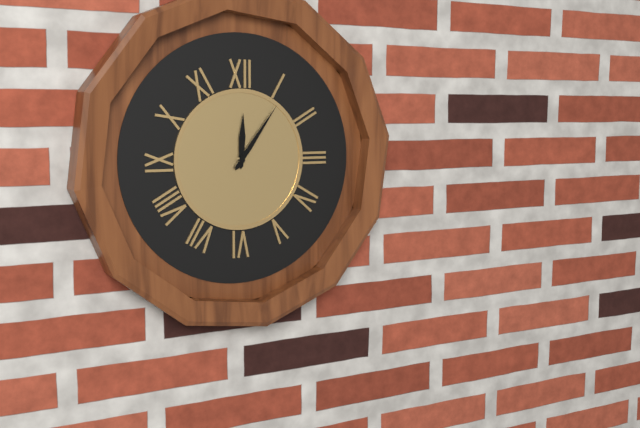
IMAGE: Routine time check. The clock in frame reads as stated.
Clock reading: 12:06
